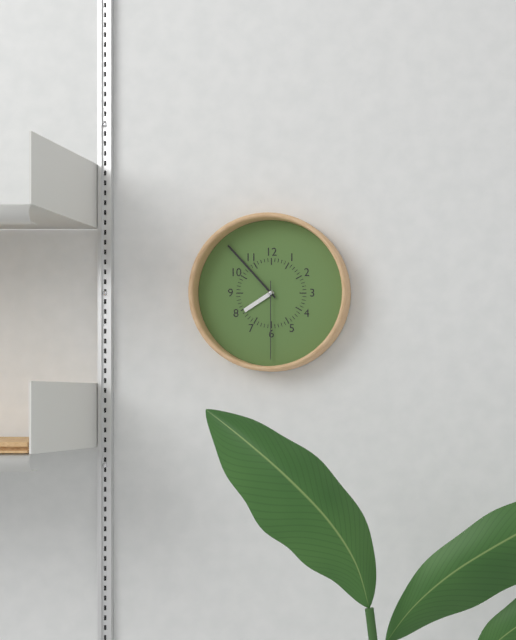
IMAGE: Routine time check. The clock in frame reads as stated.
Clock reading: 7:53:30
